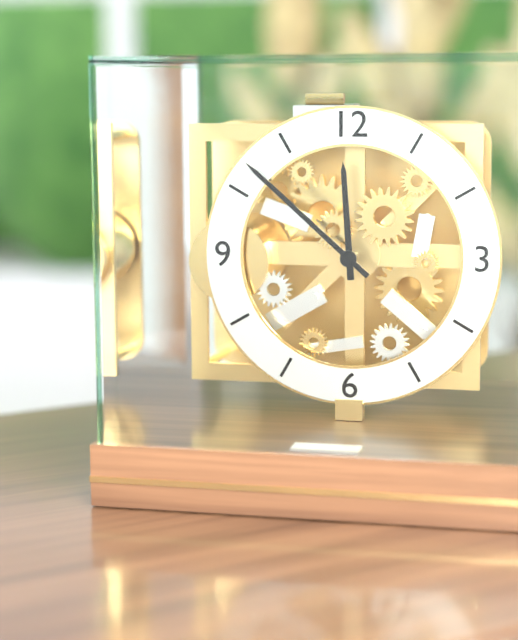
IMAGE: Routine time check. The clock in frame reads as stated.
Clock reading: 11:52
